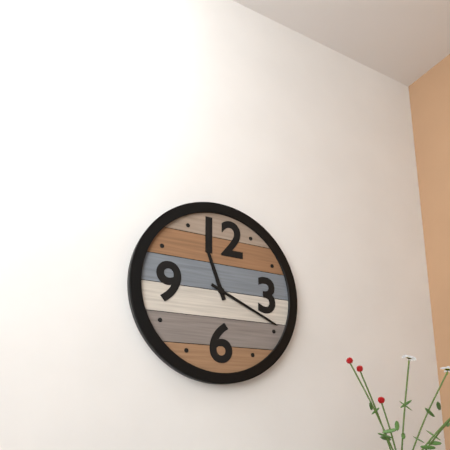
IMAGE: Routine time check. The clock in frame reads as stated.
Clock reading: 11:19
